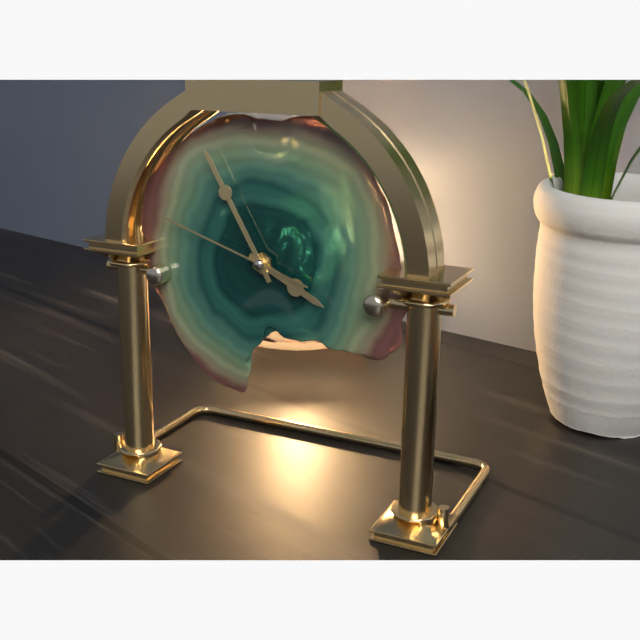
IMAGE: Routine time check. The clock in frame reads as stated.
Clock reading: 3:55:48
